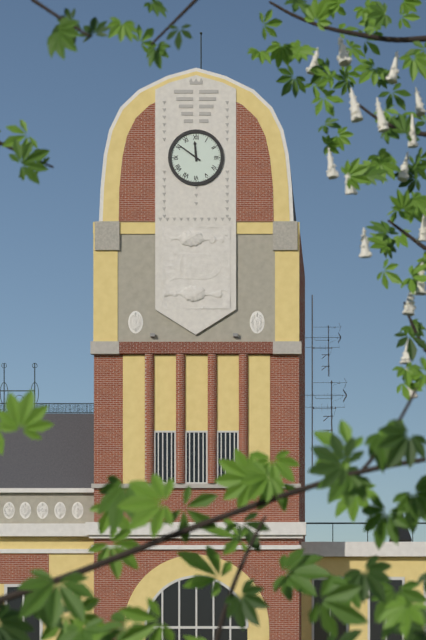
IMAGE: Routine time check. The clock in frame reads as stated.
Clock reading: 11:51
